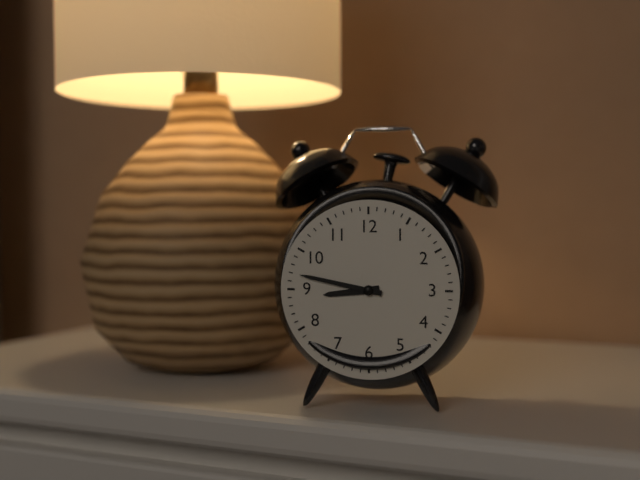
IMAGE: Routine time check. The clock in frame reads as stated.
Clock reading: 8:47
